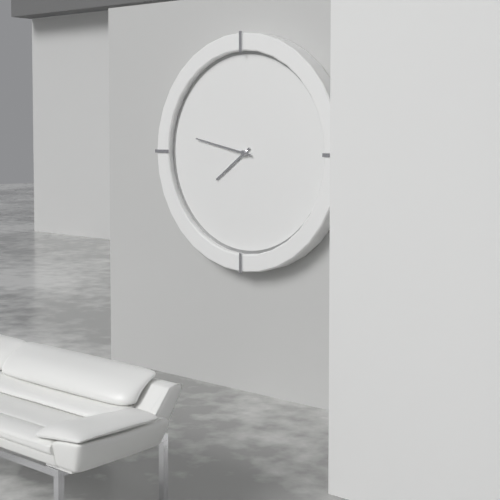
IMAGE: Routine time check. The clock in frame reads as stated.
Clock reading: 7:47
